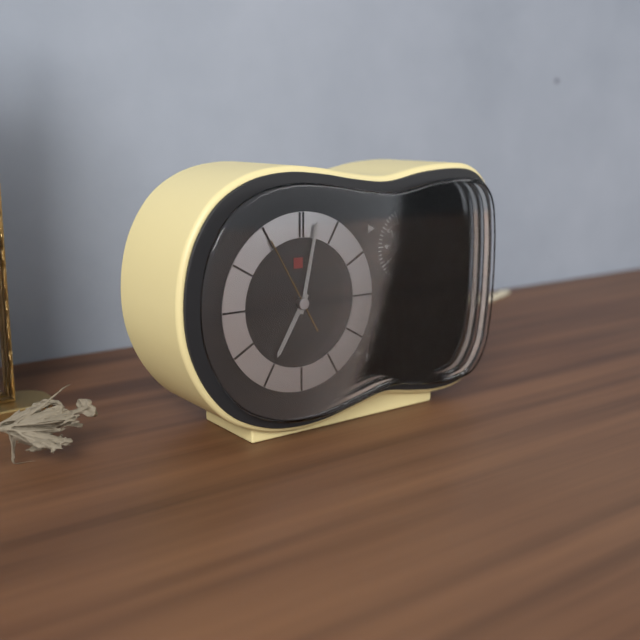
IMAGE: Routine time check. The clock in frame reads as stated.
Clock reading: 7:02:55
